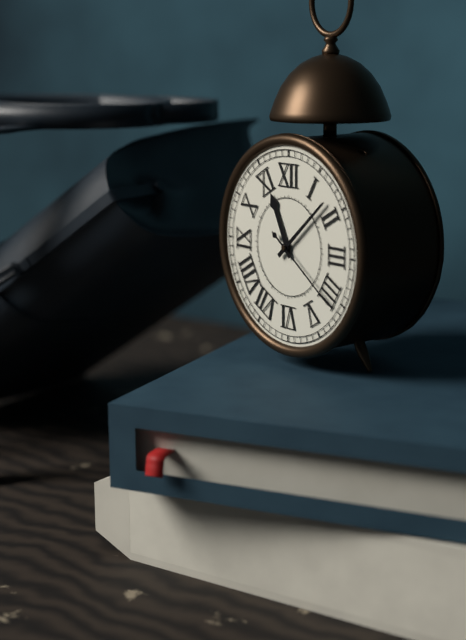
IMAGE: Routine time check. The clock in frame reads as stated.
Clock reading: 11:08:21
